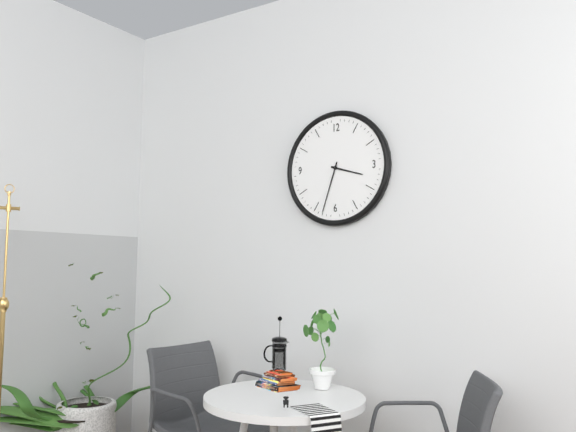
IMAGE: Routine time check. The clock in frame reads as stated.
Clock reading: 3:33
